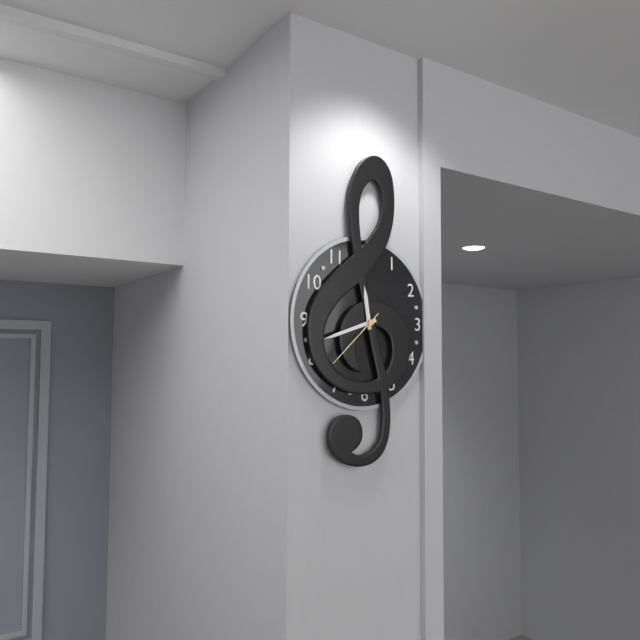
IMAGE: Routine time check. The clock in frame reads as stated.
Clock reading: 11:42:38
